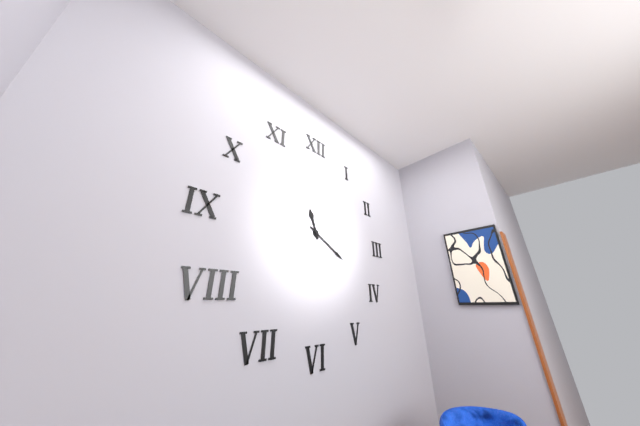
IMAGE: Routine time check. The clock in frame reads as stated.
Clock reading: 11:20
